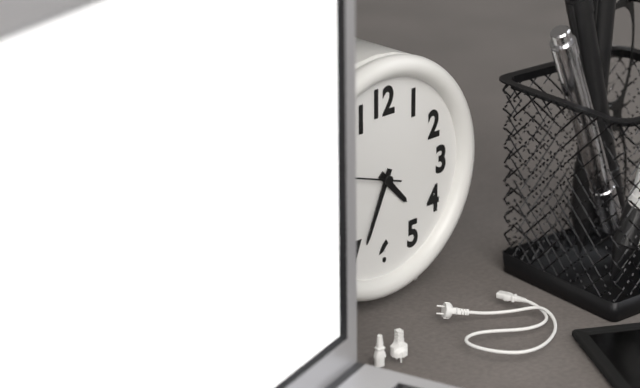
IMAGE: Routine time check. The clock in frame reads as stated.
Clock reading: 4:34
